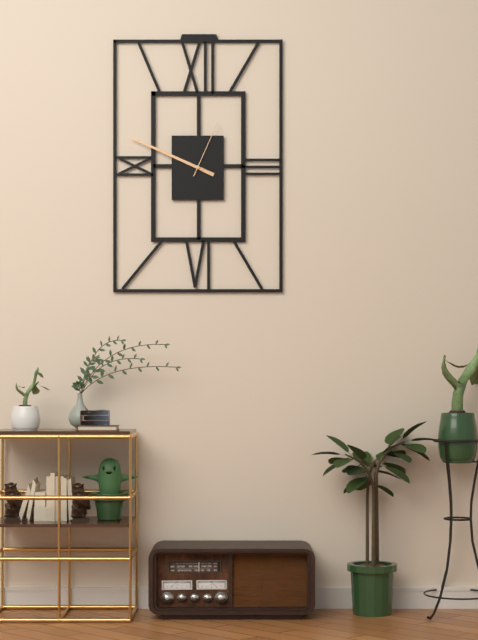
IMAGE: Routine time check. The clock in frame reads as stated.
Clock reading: 9:49:04
